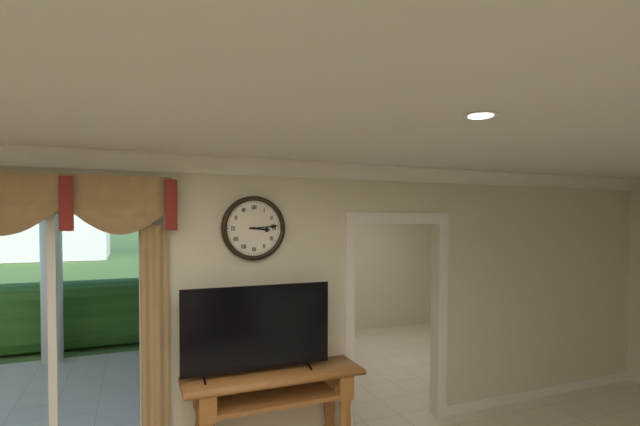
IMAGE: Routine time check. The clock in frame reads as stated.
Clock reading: 3:14
